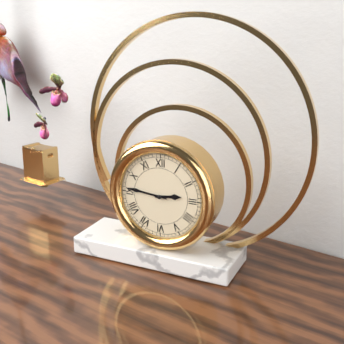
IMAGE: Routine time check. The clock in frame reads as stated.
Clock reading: 2:46
